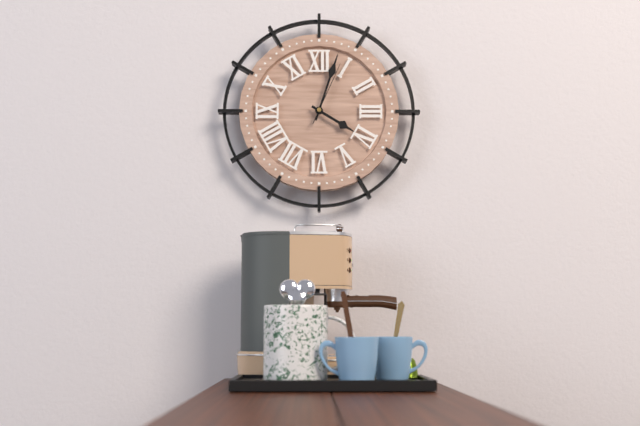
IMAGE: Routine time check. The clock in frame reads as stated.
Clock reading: 4:03:04
